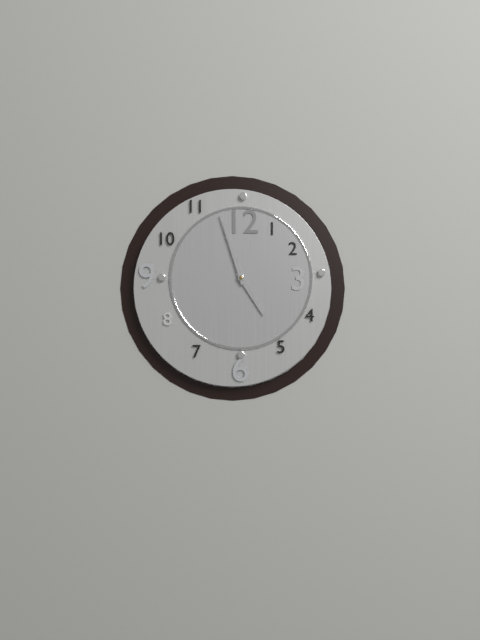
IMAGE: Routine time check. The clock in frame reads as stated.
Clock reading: 4:57
